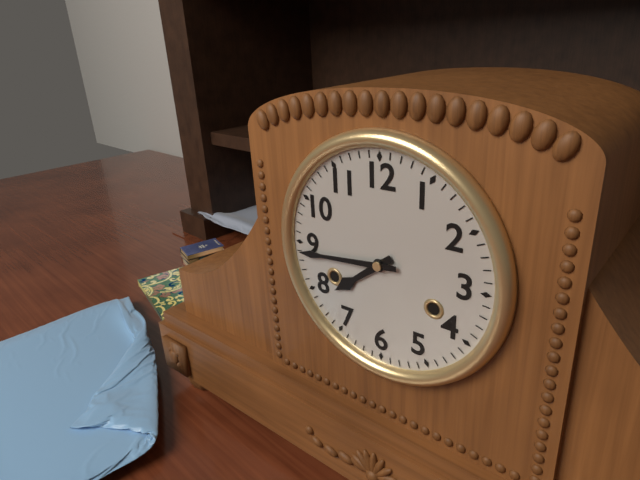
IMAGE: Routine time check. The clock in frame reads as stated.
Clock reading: 7:44
